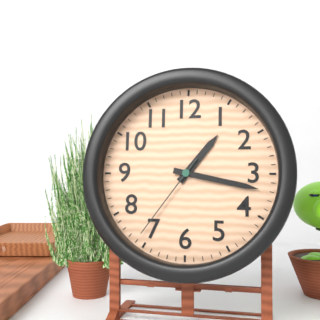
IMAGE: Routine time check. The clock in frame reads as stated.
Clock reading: 1:17:36
